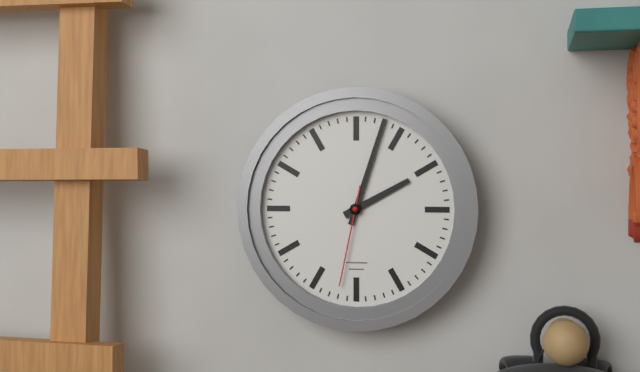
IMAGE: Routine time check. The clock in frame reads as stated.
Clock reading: 2:03:32
